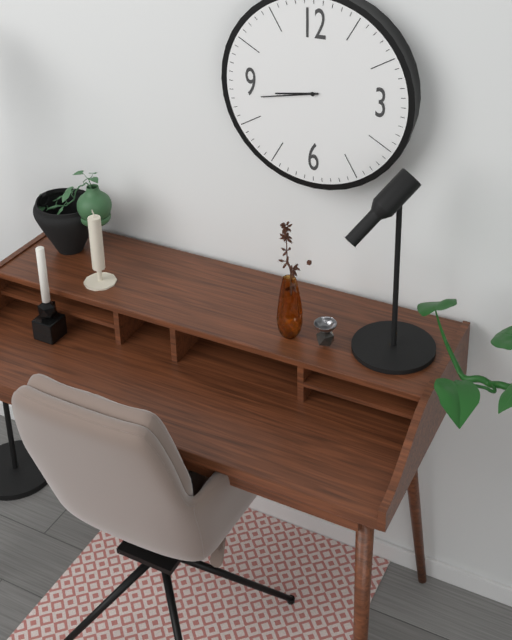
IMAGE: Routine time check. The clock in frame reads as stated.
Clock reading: 8:43
